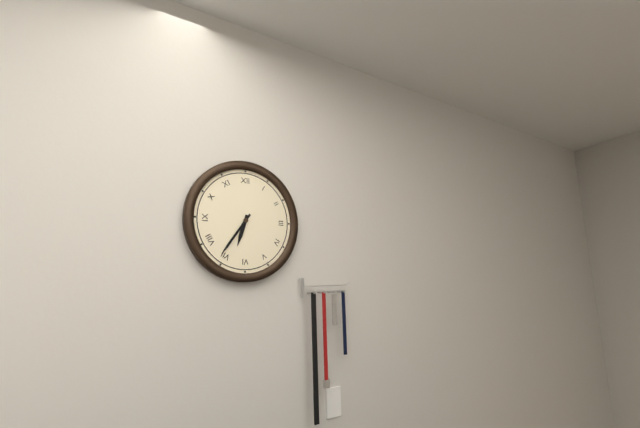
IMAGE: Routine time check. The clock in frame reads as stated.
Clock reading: 6:36
